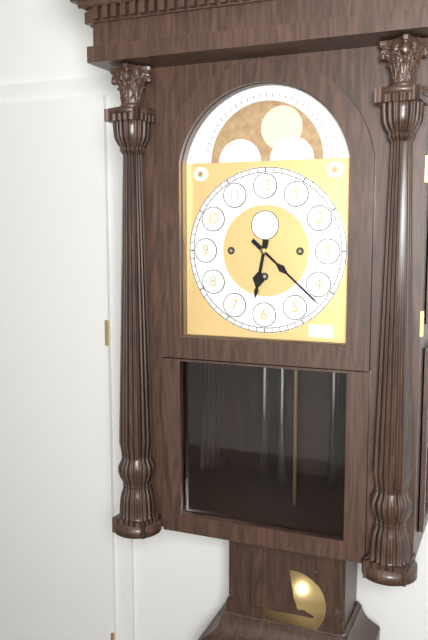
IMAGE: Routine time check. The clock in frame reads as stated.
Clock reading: 6:22
